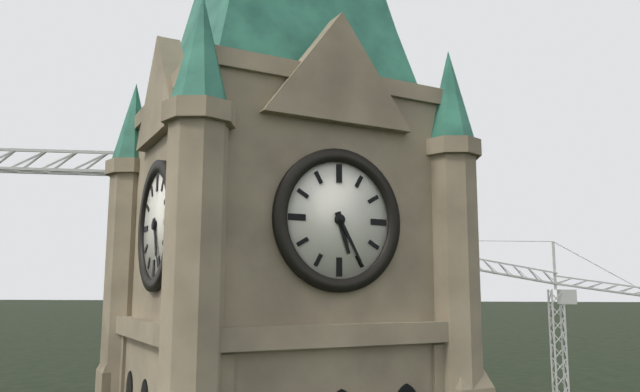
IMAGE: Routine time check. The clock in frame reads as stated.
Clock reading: 5:25
